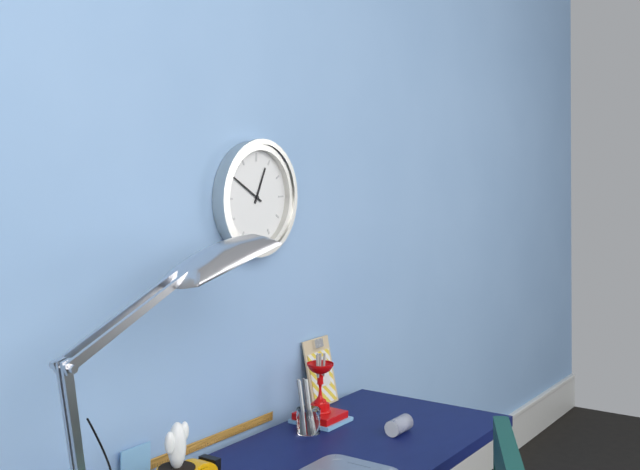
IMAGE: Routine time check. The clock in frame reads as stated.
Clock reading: 12:50
